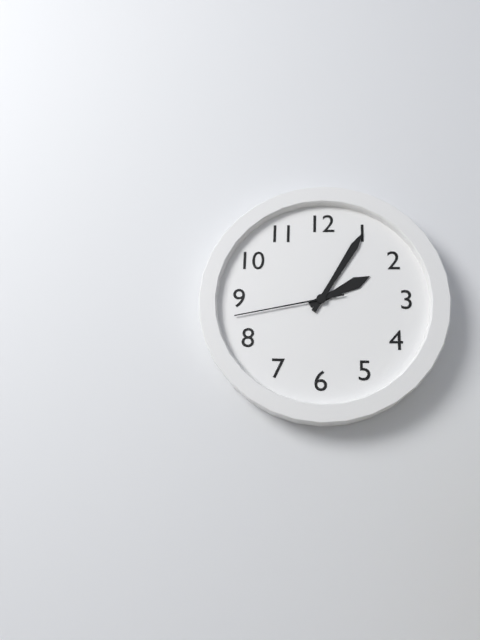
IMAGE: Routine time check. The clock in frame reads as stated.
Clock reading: 2:05:43
